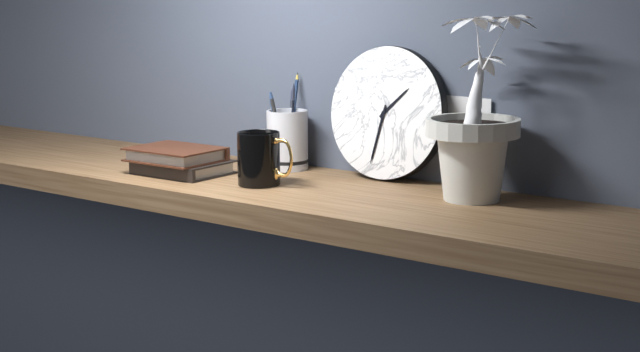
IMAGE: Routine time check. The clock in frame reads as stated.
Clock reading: 1:32
